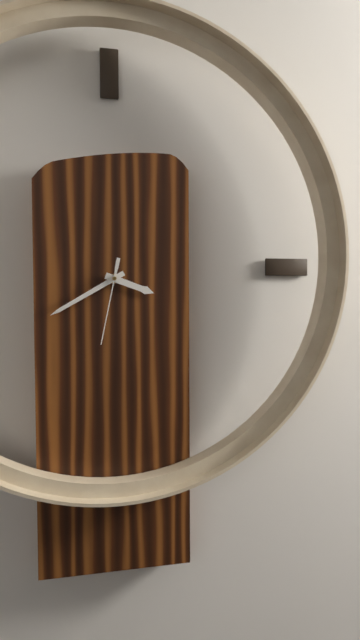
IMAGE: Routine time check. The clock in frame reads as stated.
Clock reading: 3:40:32
